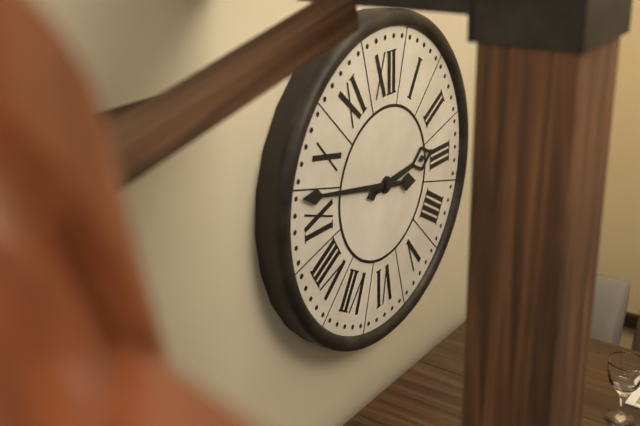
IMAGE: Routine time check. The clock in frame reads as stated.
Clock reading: 2:47
